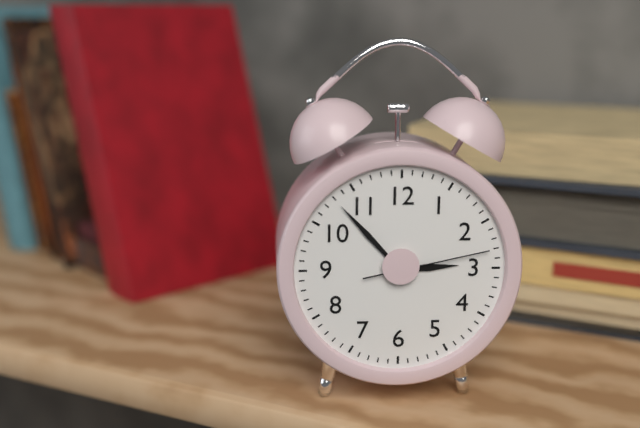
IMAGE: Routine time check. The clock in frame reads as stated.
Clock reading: 2:53:13
